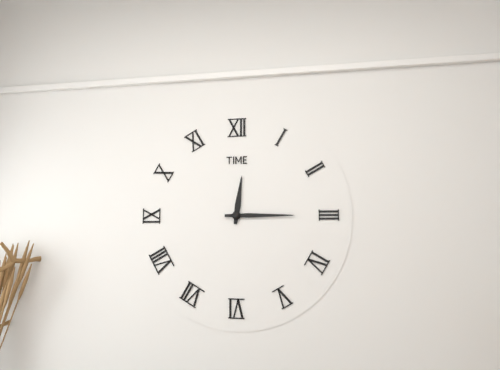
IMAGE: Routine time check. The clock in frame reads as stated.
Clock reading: 12:15
